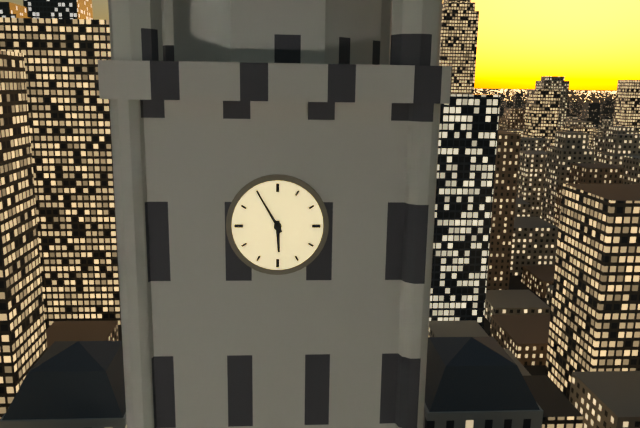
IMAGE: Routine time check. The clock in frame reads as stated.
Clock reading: 5:55
